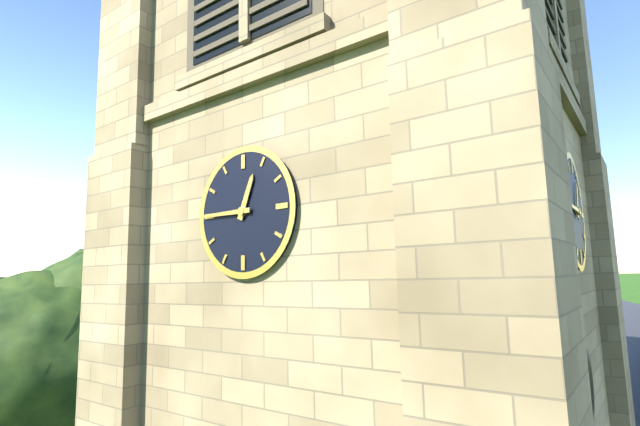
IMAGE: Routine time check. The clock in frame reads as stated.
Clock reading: 12:45
